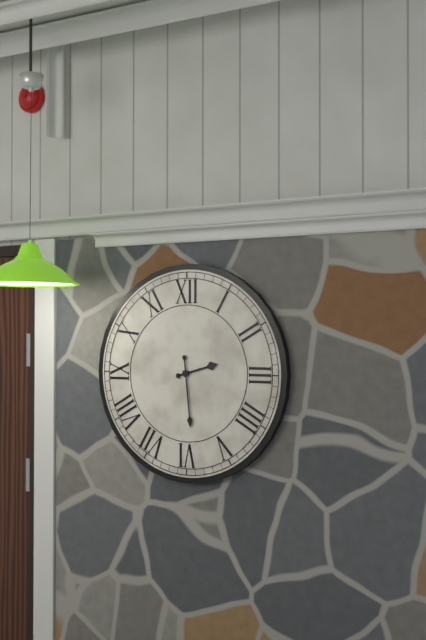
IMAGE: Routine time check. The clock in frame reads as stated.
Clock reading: 2:29
